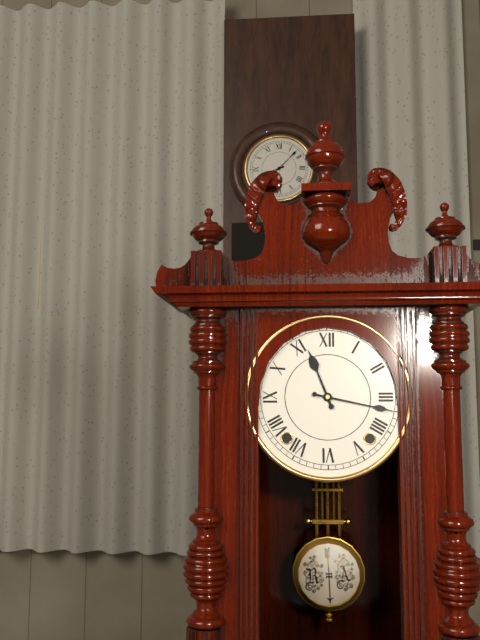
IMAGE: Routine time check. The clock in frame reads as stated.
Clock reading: 11:17
